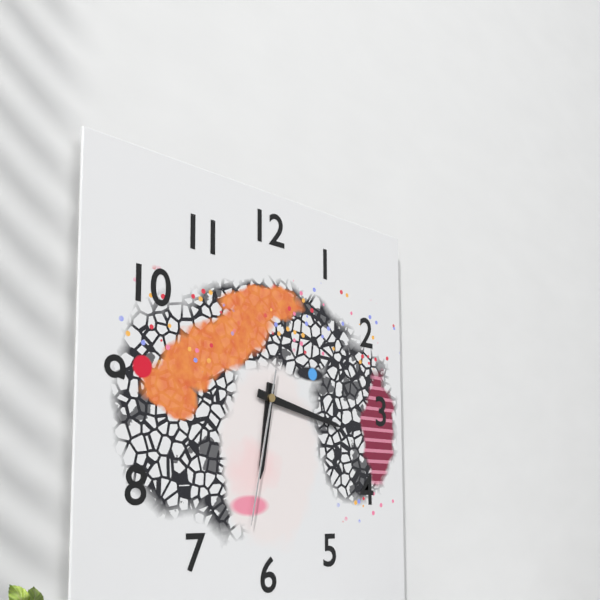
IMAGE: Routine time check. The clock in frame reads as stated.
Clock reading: 6:17:32
